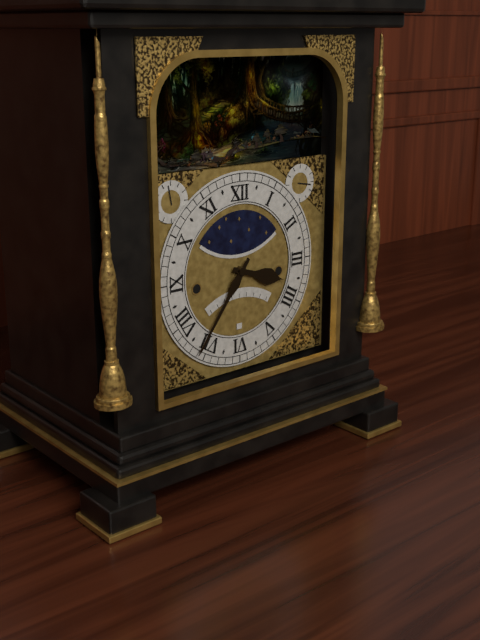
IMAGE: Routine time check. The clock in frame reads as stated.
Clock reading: 3:36
